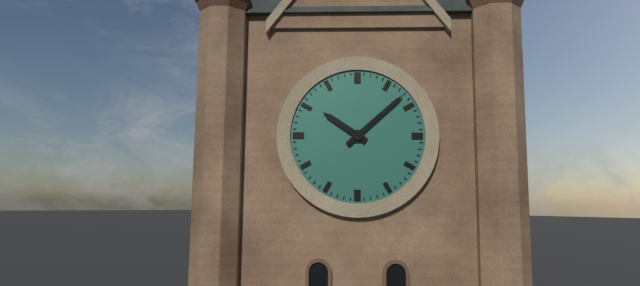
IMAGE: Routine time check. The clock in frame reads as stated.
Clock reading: 10:08
